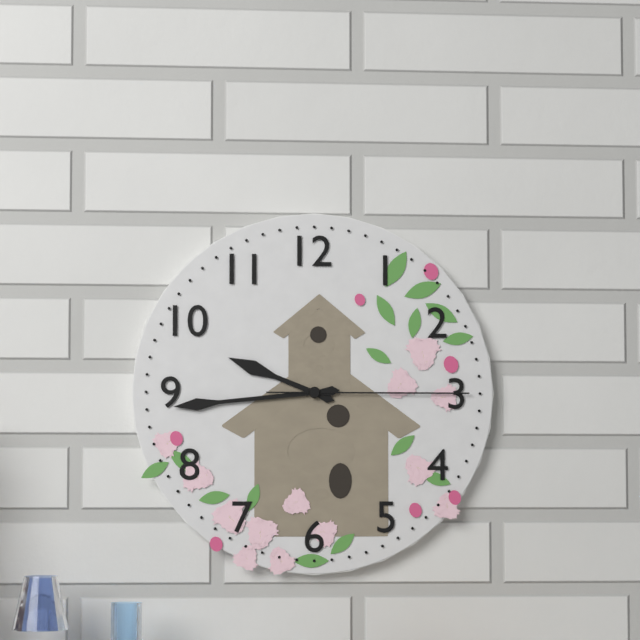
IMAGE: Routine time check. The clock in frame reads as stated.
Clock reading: 9:44:15
